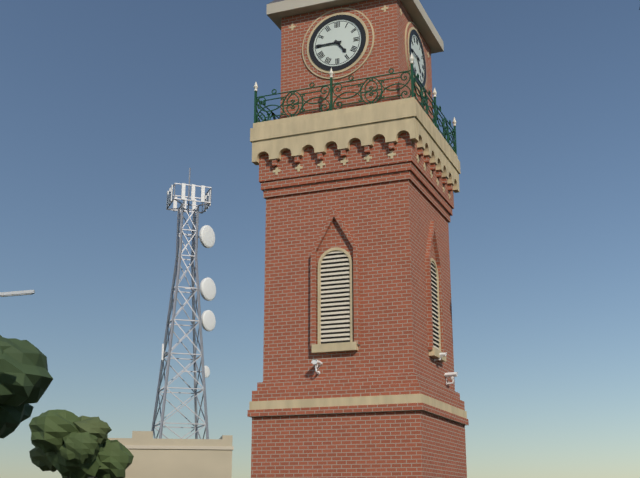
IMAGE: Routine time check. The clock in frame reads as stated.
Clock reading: 4:45
